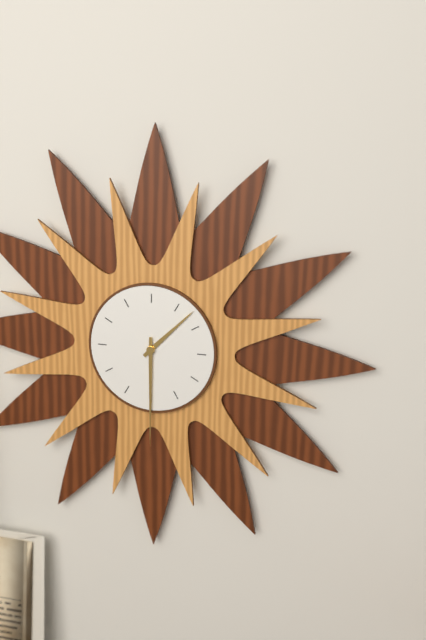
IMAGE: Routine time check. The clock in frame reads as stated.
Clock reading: 1:30
